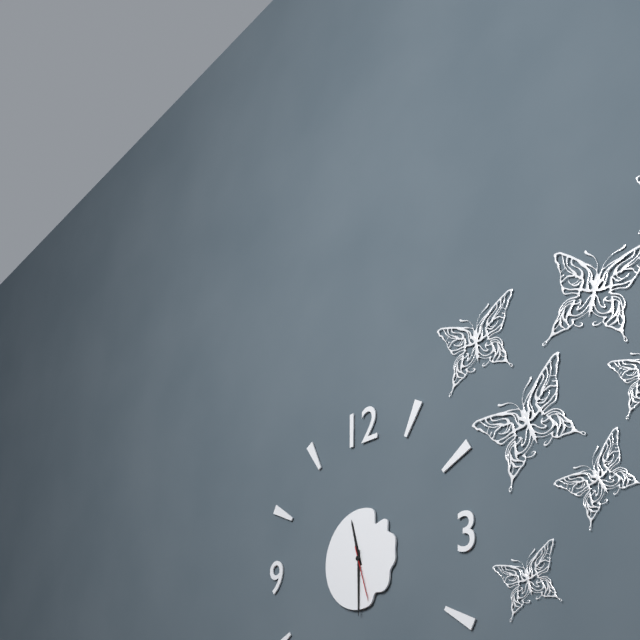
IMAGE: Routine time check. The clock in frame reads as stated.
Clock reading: 11:30:27
